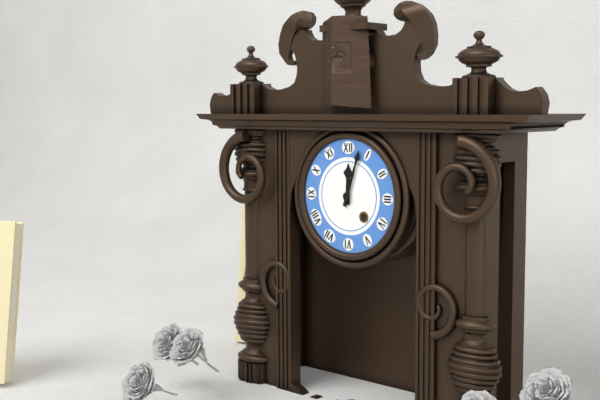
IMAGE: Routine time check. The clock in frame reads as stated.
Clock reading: 12:03
